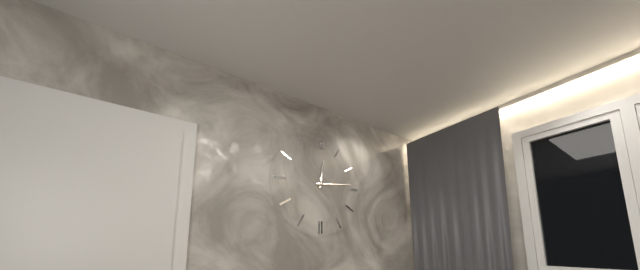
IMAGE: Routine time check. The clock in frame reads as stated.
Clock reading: 12:14
